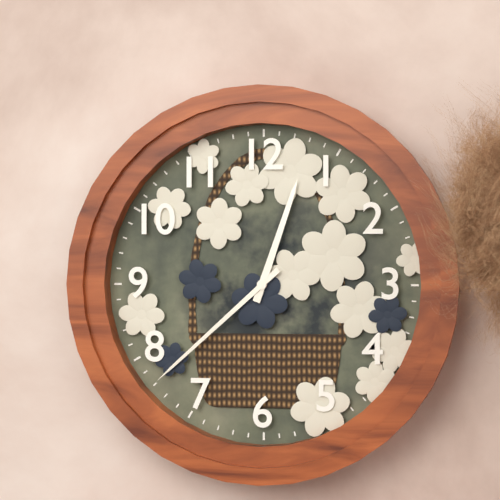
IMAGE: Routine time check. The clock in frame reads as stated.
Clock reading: 12:38
